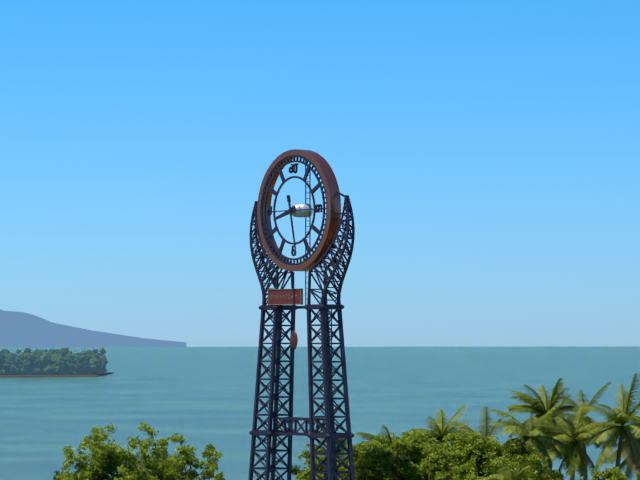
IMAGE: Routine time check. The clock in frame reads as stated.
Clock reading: 8:28
